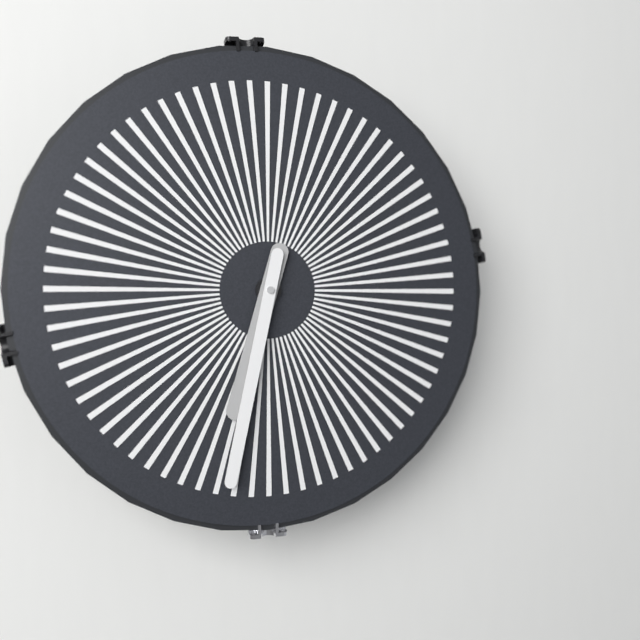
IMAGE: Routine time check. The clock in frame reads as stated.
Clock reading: 6:32
